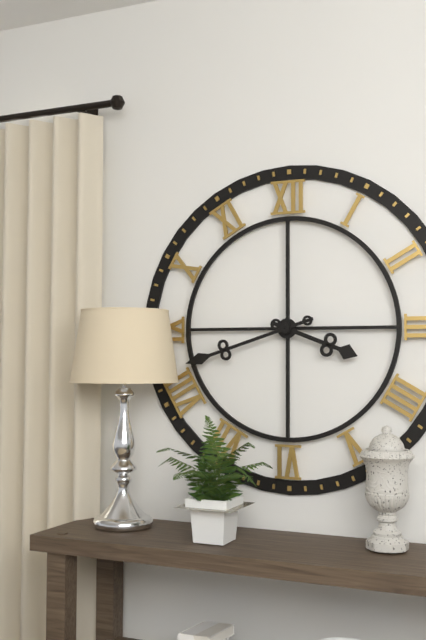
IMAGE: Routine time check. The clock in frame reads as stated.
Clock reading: 3:42
